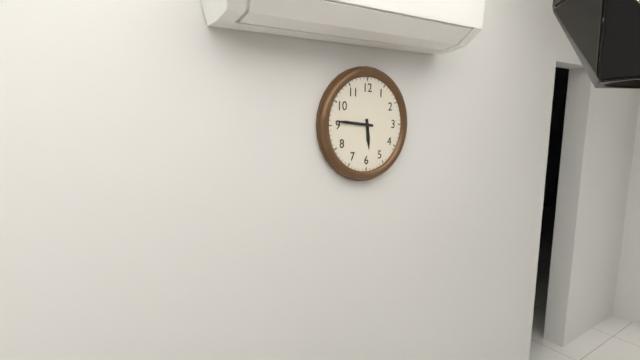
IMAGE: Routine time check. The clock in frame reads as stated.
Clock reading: 5:46
